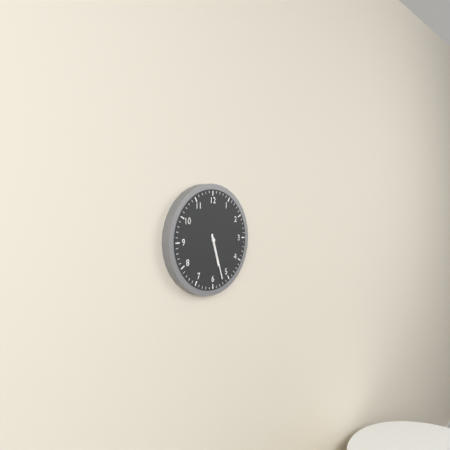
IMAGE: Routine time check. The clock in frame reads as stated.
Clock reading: 5:27
